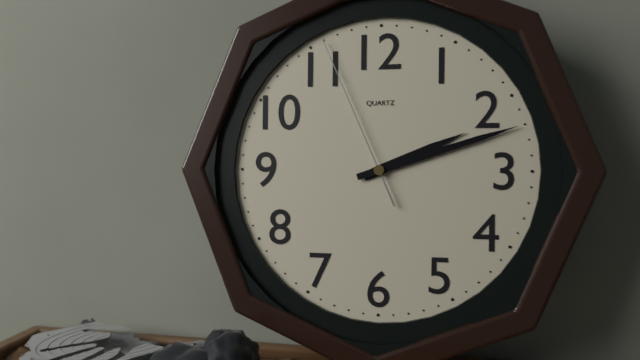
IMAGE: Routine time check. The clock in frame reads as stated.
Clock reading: 2:12:56
